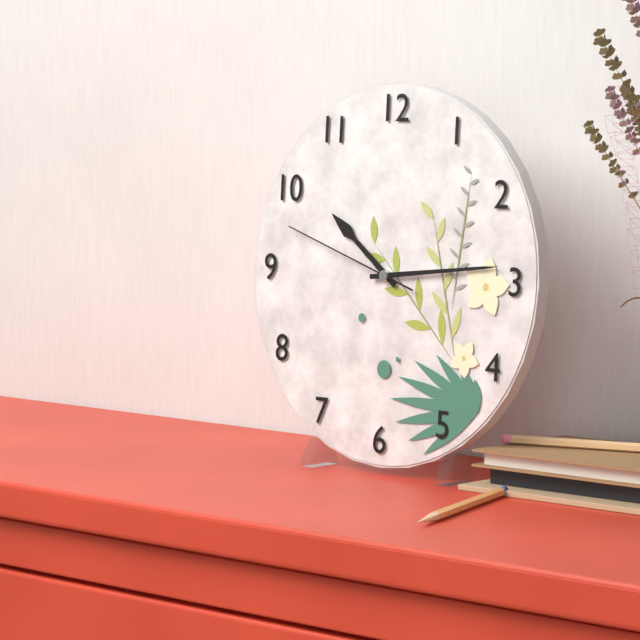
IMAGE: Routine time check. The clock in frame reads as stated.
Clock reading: 10:14:48
